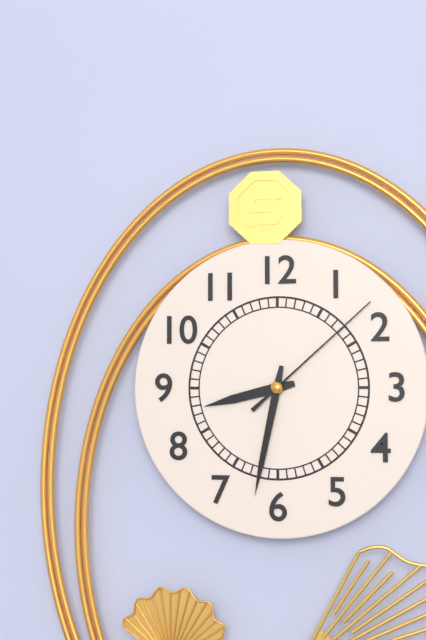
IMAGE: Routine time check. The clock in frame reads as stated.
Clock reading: 8:32:08
